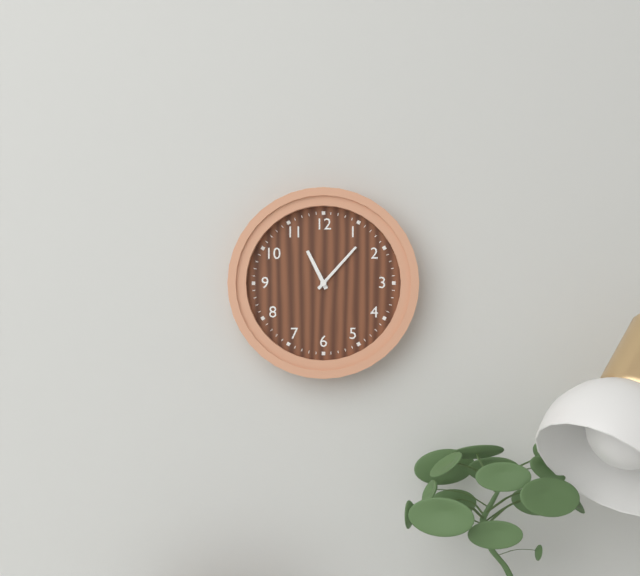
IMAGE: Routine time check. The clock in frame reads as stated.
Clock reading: 11:07
